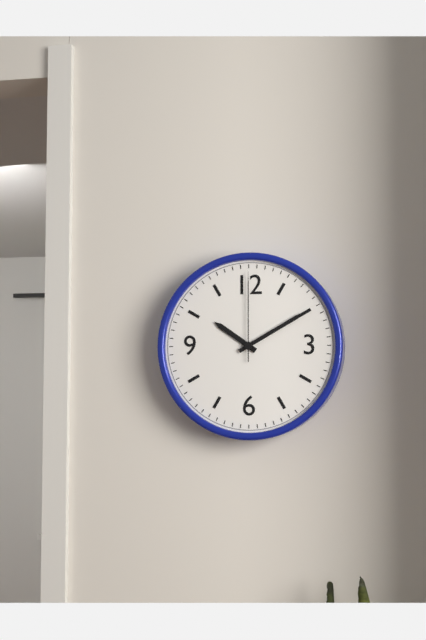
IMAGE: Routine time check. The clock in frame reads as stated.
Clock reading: 10:10:00
